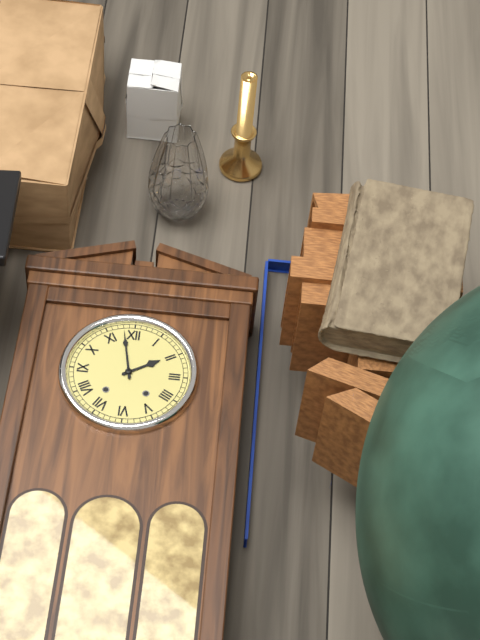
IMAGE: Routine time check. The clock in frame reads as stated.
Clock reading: 1:58
